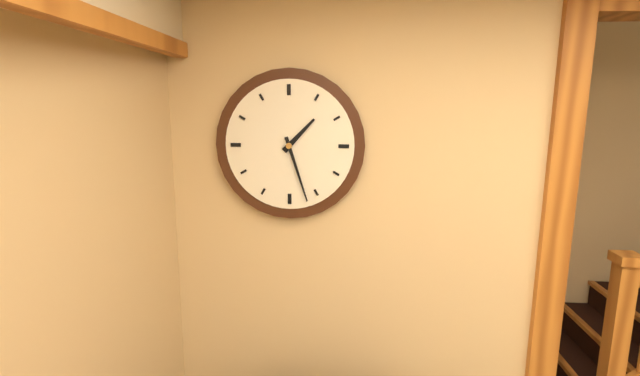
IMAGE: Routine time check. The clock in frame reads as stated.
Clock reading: 1:27
